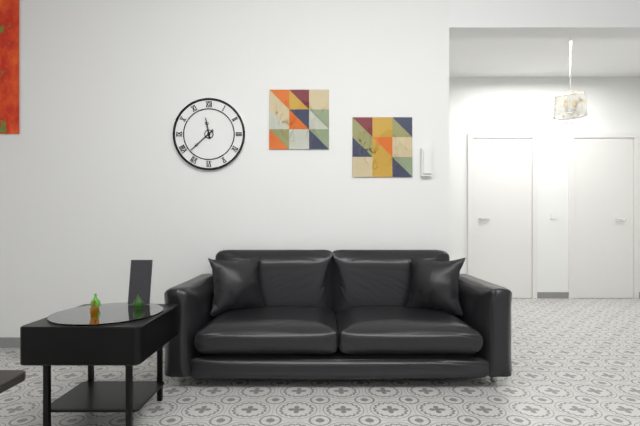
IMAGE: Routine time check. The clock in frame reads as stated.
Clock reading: 11:38
